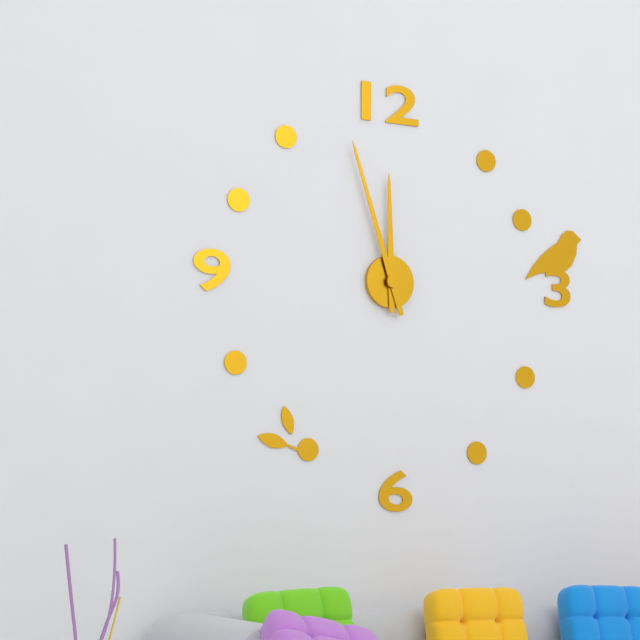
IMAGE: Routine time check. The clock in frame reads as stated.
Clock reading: 11:57
